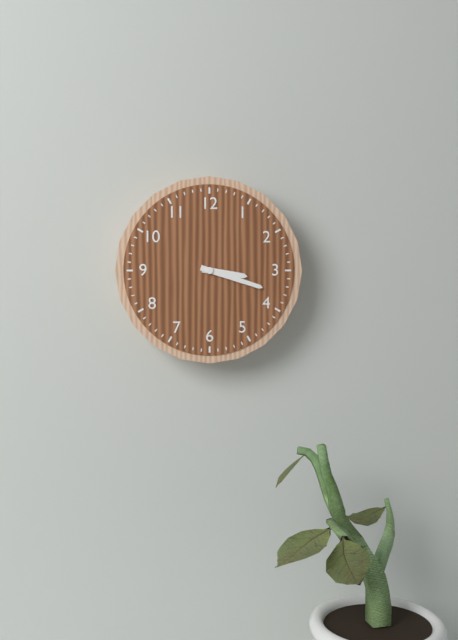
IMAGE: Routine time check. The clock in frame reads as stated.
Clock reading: 3:18
